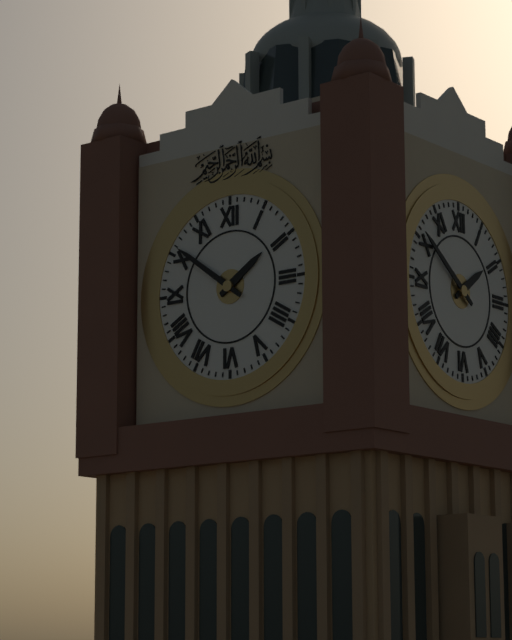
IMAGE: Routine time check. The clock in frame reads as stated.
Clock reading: 1:51
